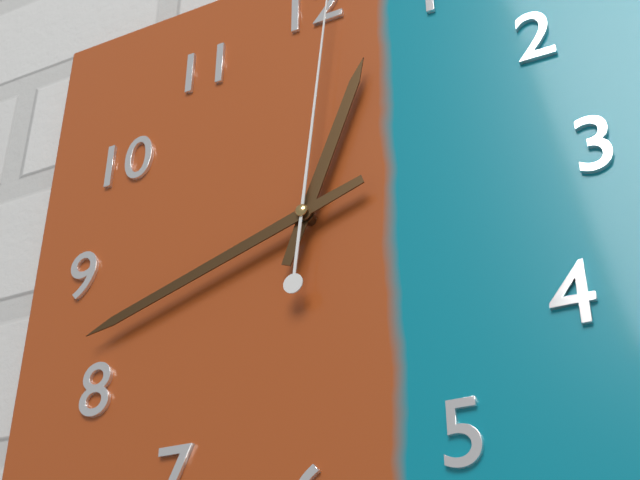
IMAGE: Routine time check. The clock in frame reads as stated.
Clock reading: 12:42
